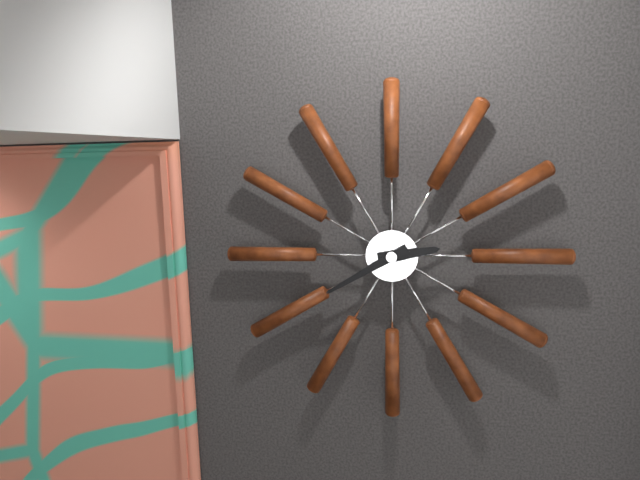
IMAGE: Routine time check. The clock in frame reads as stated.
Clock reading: 2:40
